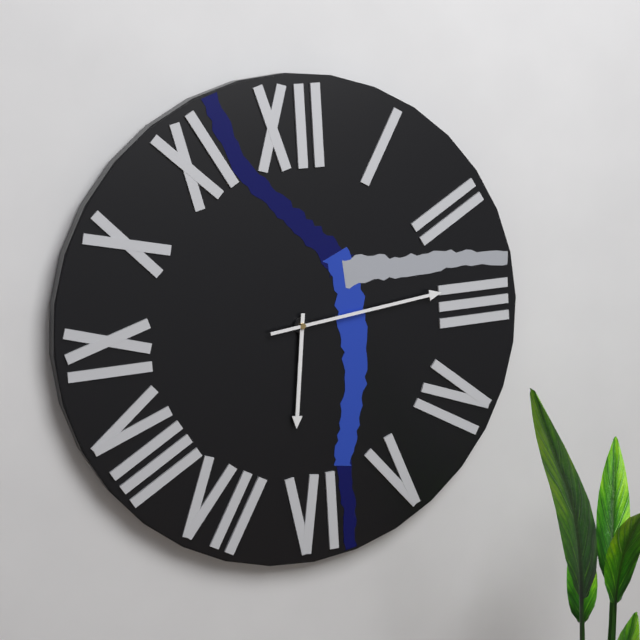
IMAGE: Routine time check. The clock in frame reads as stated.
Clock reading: 6:14
